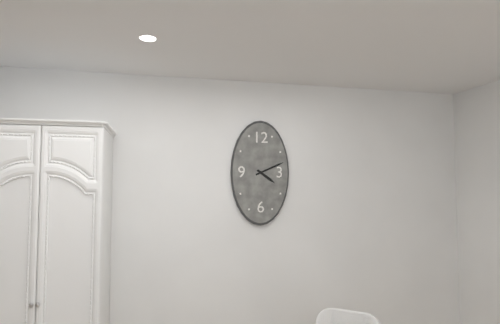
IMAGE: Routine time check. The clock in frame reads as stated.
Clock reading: 4:11
